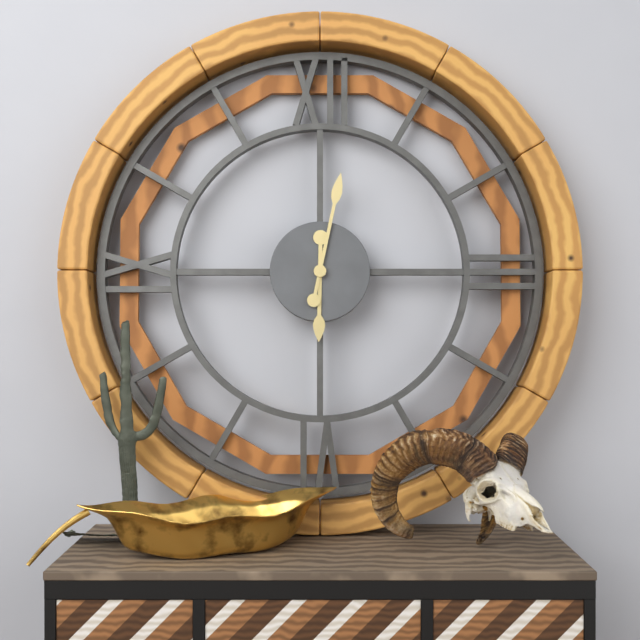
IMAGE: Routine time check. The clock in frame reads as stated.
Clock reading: 6:02
